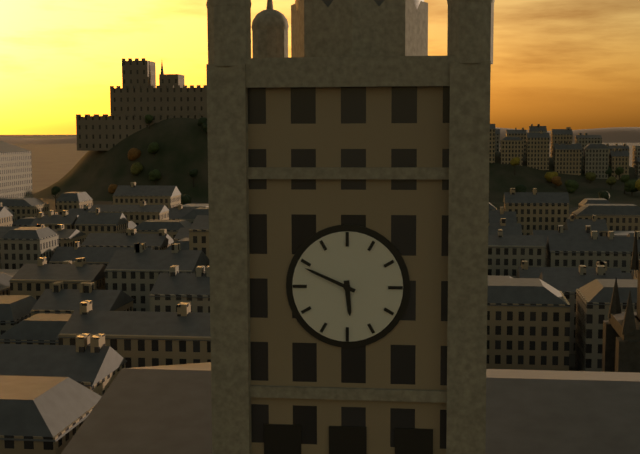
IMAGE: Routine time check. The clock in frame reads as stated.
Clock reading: 5:49
